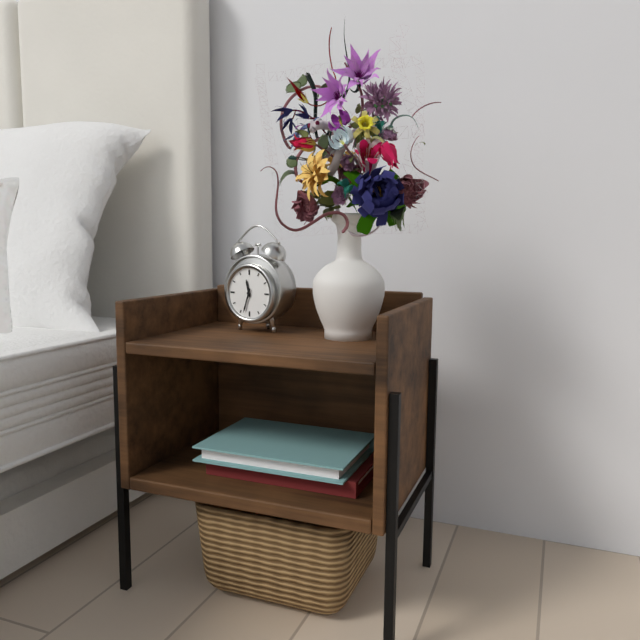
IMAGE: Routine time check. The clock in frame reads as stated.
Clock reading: 11:33
